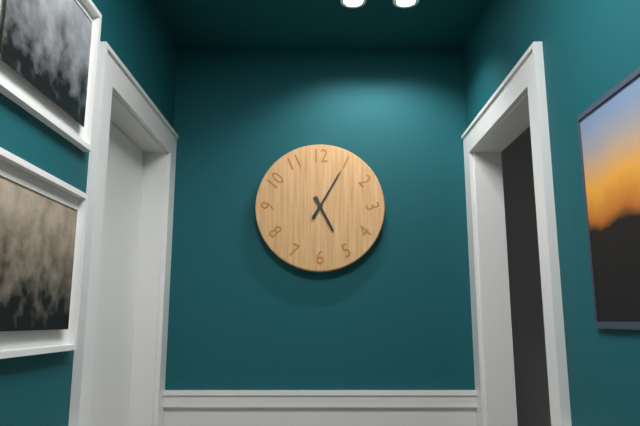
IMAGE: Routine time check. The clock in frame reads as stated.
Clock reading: 5:05
